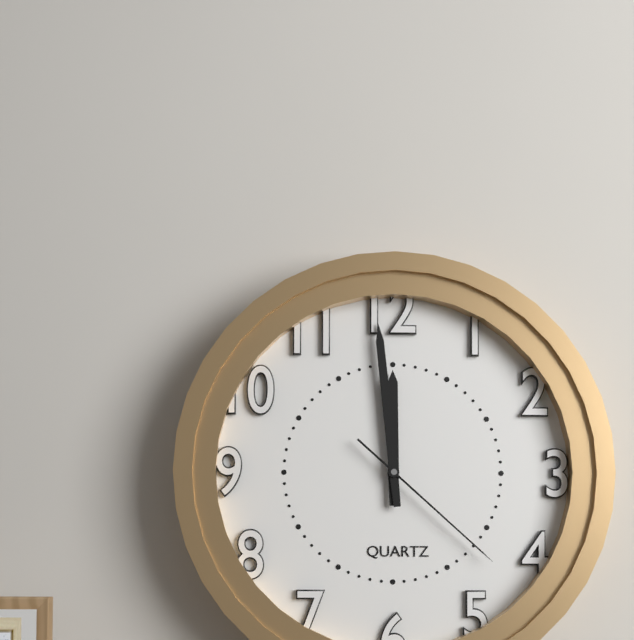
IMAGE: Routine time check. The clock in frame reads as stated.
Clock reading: 11:59:22
